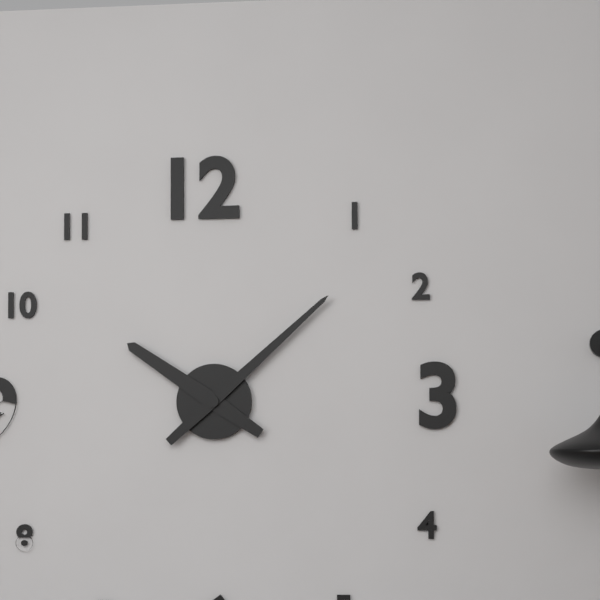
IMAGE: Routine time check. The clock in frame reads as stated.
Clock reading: 10:08
